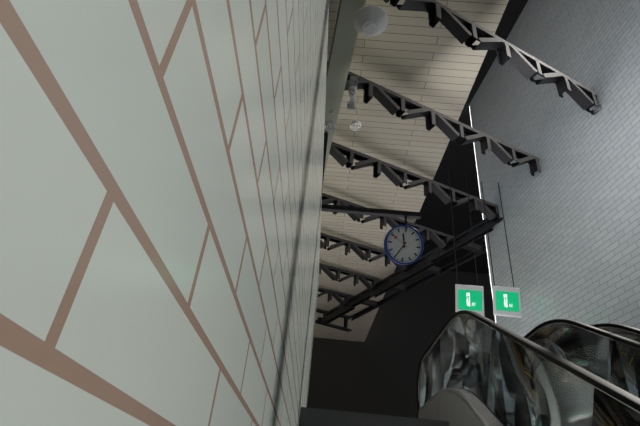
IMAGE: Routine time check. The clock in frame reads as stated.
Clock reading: 11:35
